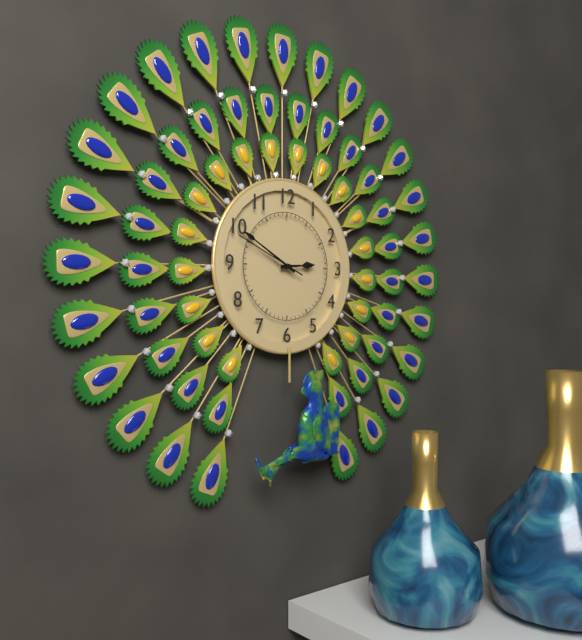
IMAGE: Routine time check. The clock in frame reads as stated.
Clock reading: 2:50:49
